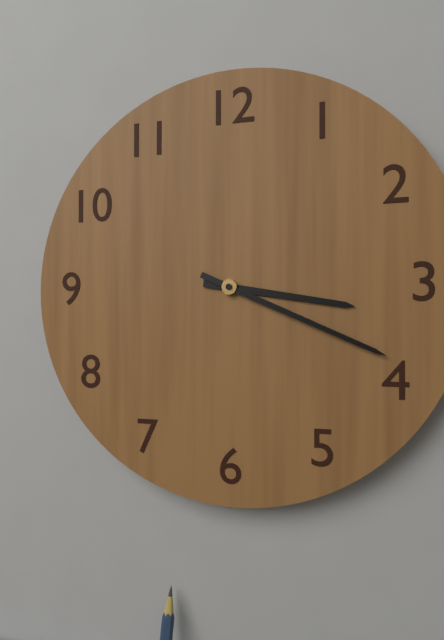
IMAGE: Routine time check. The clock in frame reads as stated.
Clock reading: 3:19
